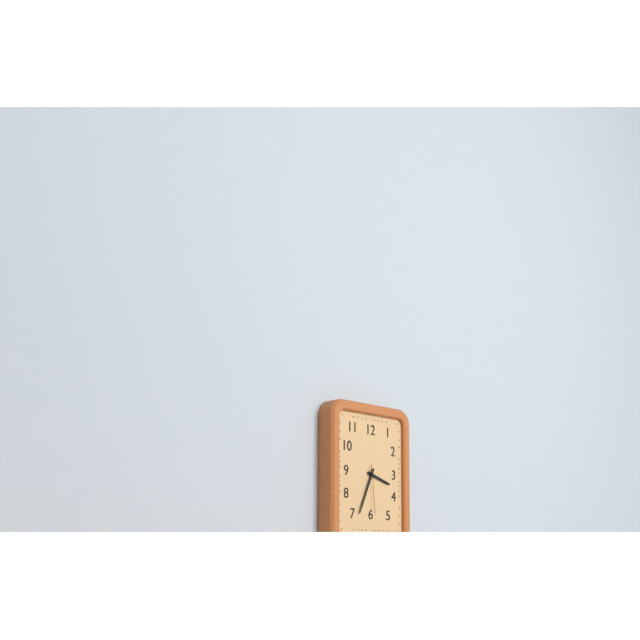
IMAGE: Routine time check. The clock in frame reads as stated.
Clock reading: 3:34:29
